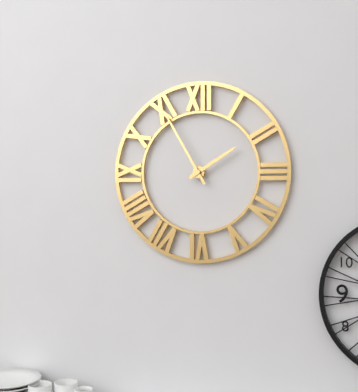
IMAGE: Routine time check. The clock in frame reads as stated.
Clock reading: 1:55
